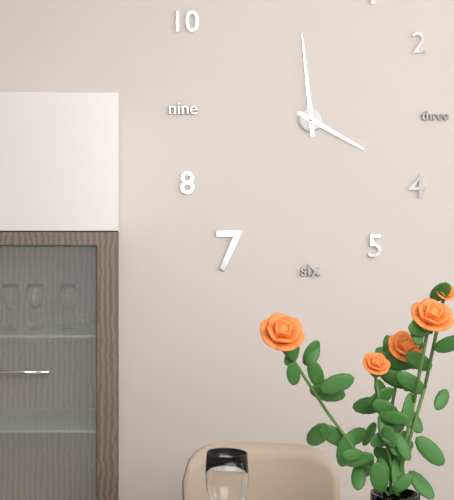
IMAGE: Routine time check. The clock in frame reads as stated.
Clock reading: 3:59
